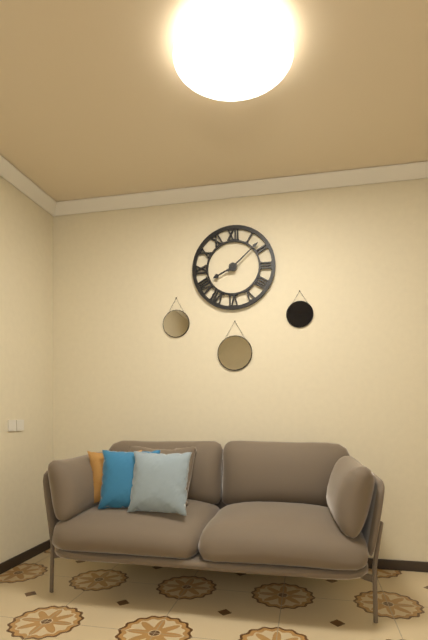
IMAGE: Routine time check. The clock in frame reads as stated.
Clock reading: 8:08
